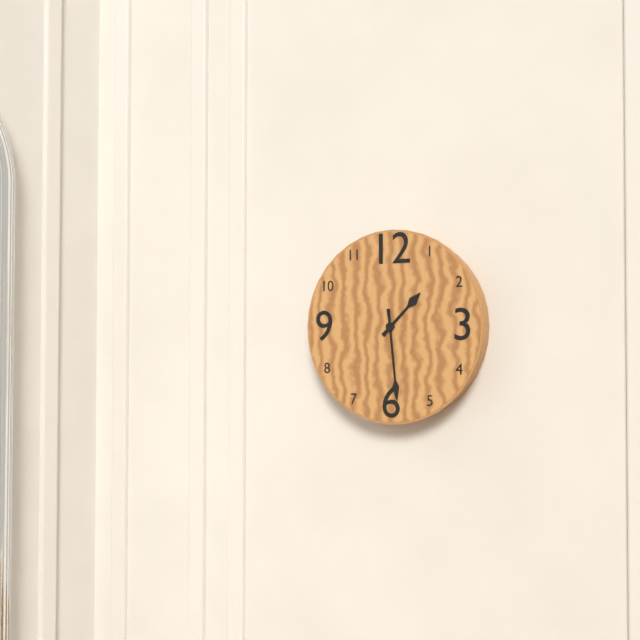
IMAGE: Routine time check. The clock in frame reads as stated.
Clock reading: 1:29
